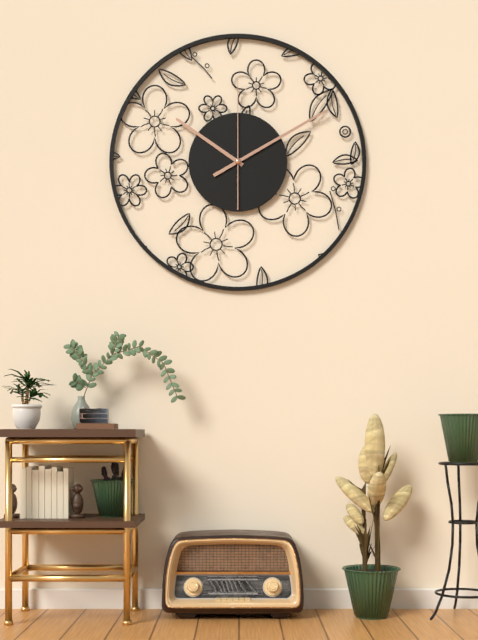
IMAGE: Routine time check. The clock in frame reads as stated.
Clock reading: 10:10:00
